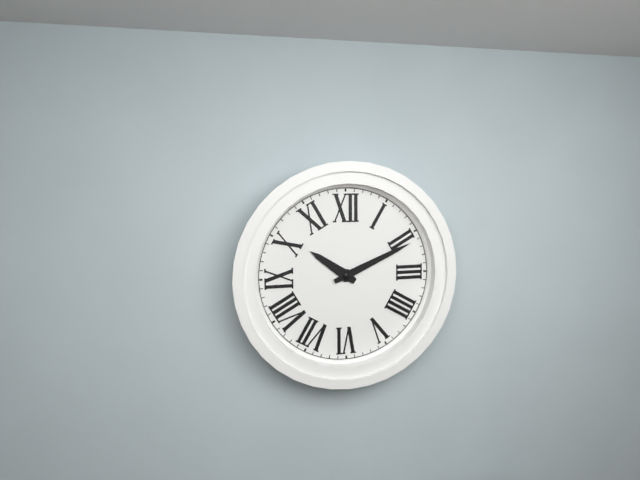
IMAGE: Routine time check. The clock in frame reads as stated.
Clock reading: 10:11
